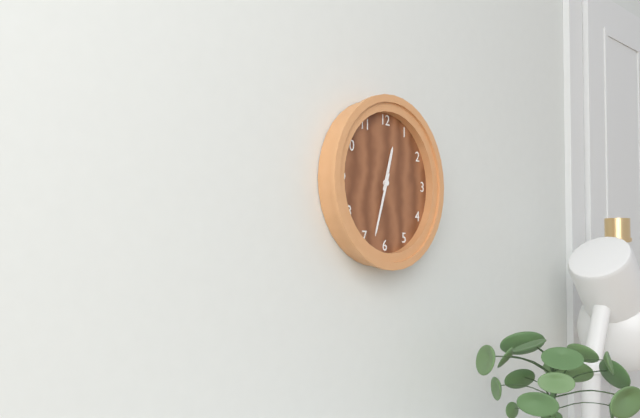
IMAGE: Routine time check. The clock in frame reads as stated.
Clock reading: 12:33
